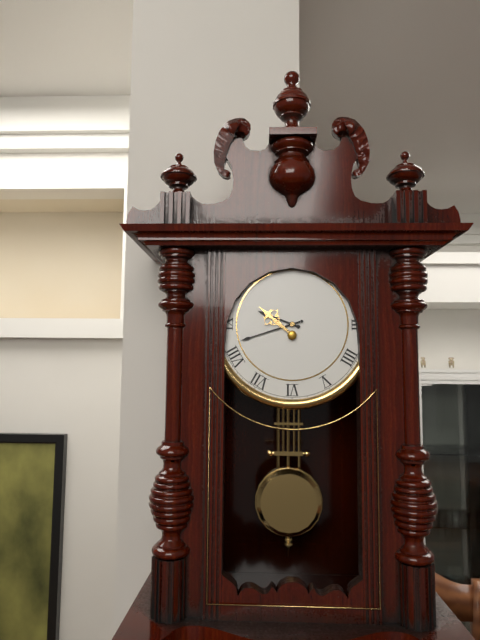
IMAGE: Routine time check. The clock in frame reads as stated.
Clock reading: 9:42
